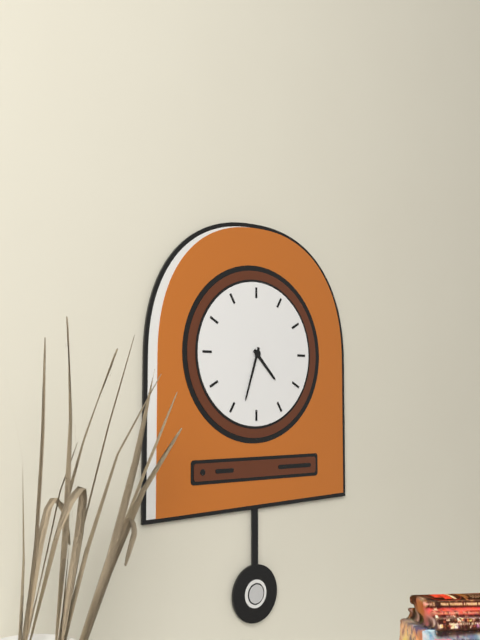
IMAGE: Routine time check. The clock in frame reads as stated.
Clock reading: 4:33
